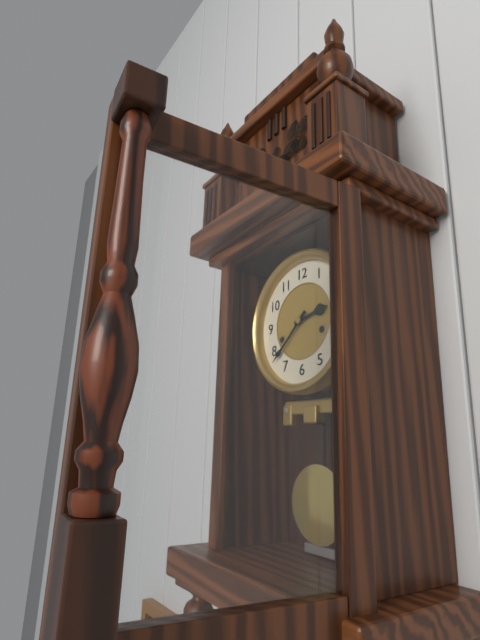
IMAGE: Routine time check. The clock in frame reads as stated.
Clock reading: 2:38
